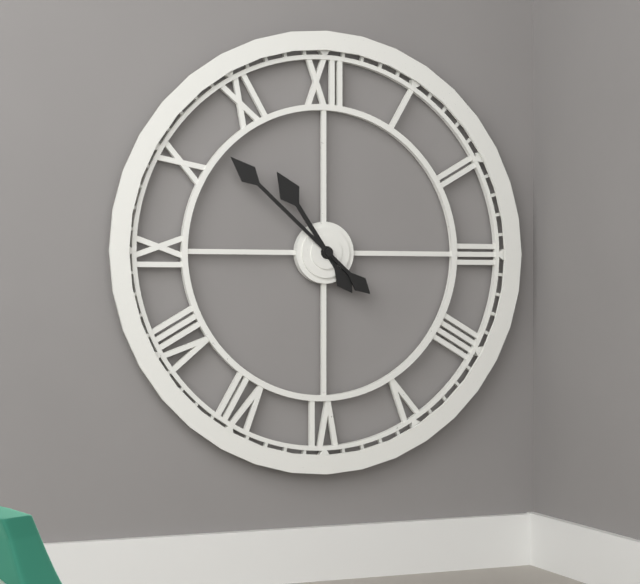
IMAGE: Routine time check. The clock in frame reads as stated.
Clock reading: 10:52
